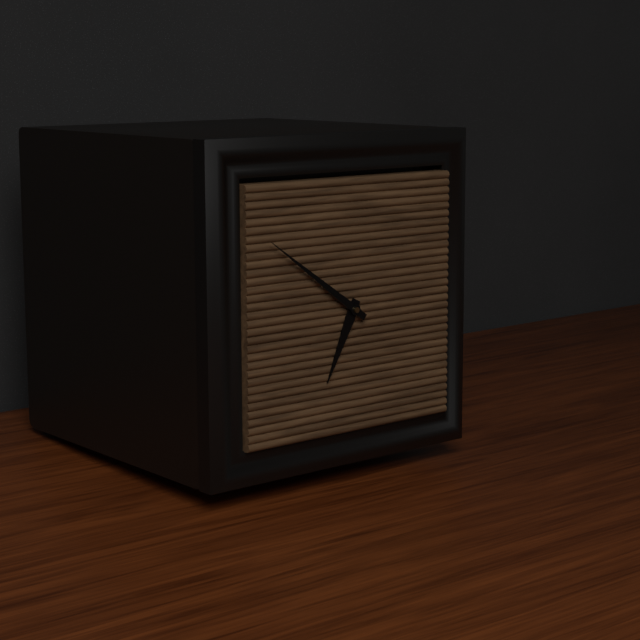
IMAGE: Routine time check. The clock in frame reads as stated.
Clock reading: 6:51
